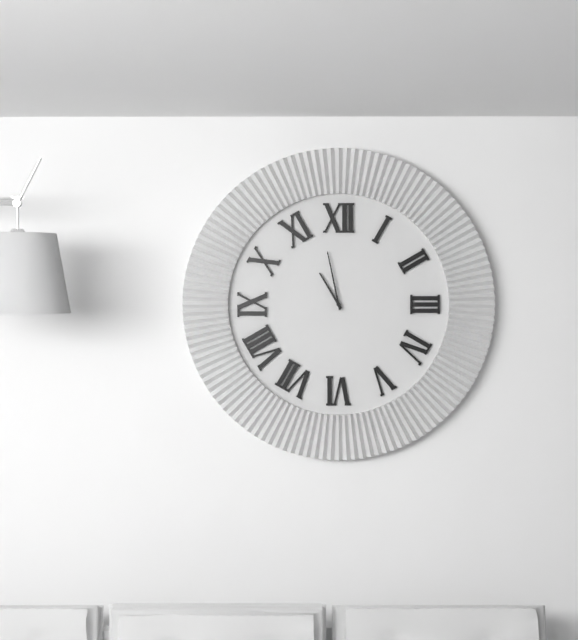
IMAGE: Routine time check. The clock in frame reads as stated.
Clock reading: 10:58
